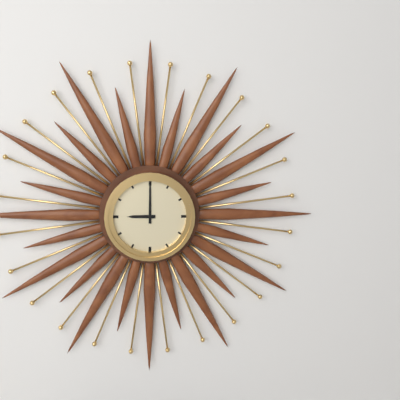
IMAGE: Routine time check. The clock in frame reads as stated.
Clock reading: 9:00
